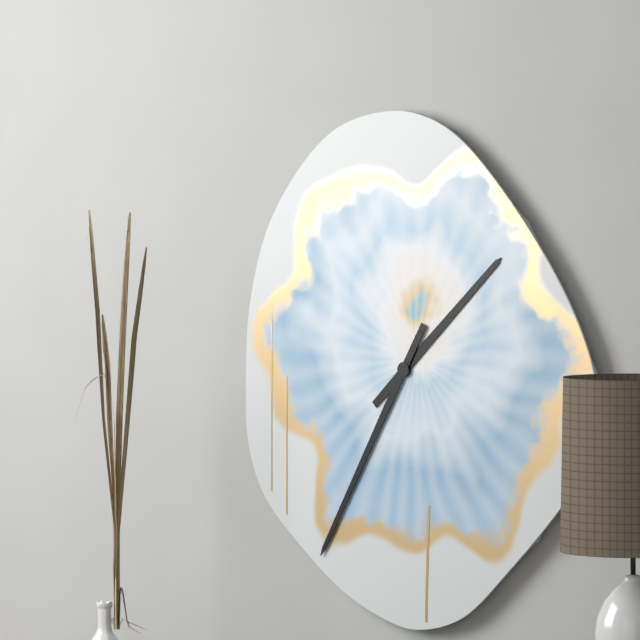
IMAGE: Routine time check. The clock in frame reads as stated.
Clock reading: 1:35
